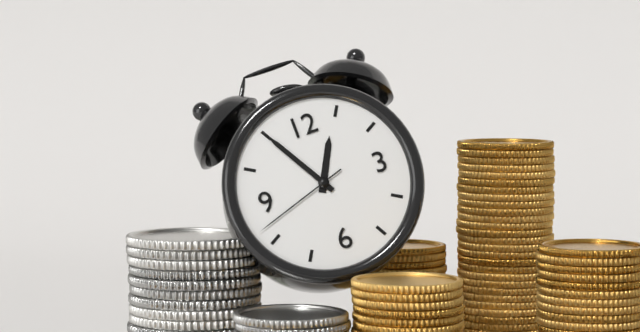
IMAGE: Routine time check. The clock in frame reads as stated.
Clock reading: 12:55:42
